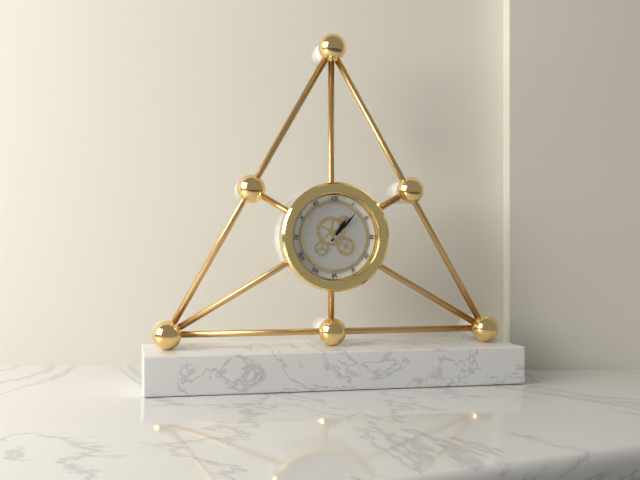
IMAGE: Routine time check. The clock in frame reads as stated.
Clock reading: 1:07
